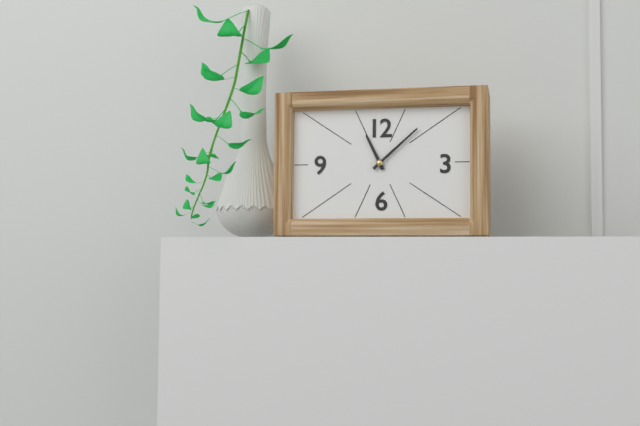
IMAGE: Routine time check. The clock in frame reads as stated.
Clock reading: 11:08
